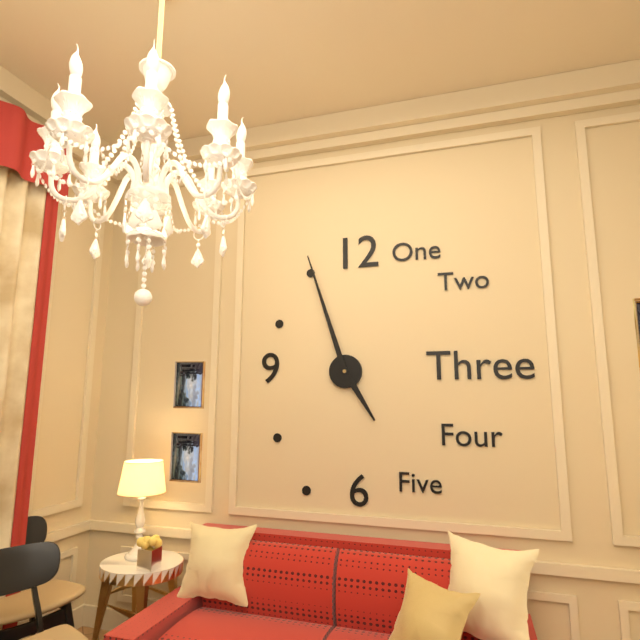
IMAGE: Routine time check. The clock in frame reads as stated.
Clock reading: 4:57
